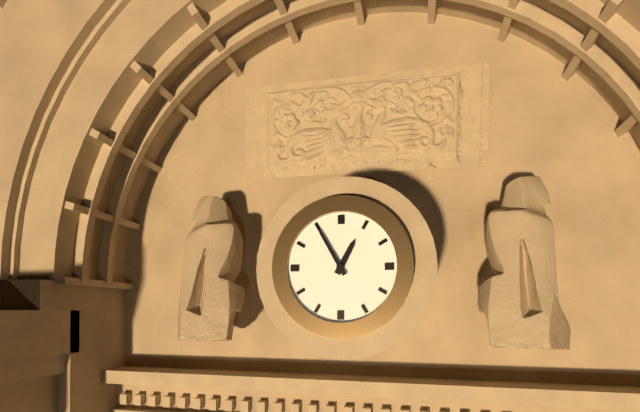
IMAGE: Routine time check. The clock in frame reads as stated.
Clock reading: 12:55
